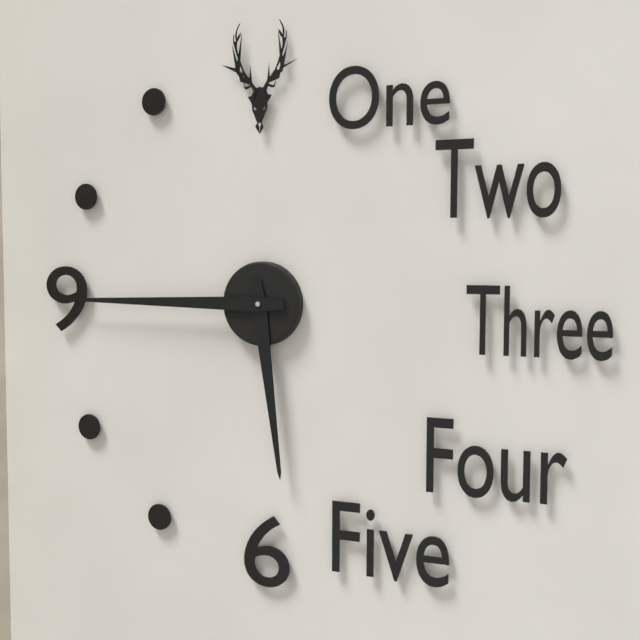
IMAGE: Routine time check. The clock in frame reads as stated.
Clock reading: 5:45
